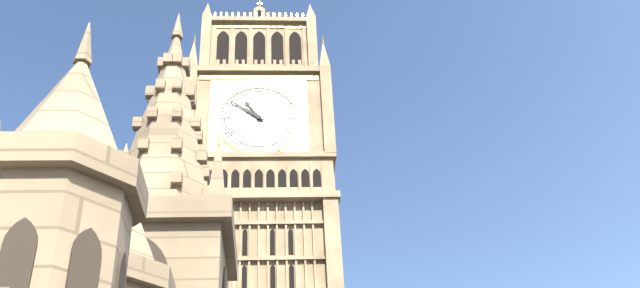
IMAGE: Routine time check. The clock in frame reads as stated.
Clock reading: 10:51
